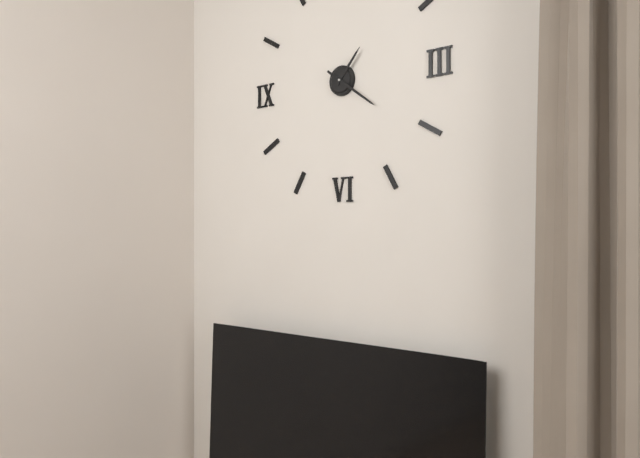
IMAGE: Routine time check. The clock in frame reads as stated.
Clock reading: 1:21
